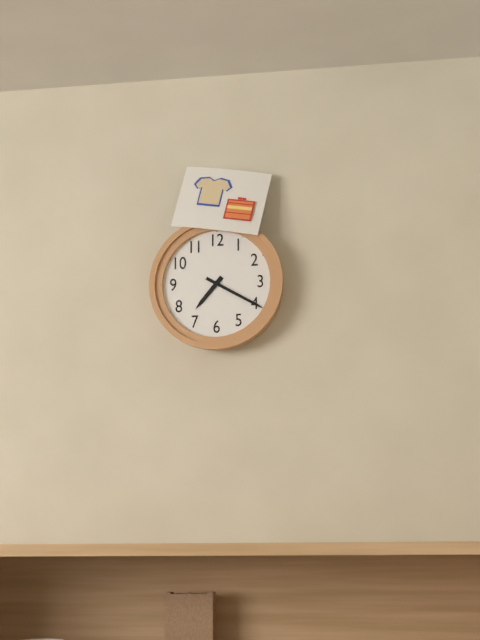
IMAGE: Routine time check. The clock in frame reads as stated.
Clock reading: 7:20
